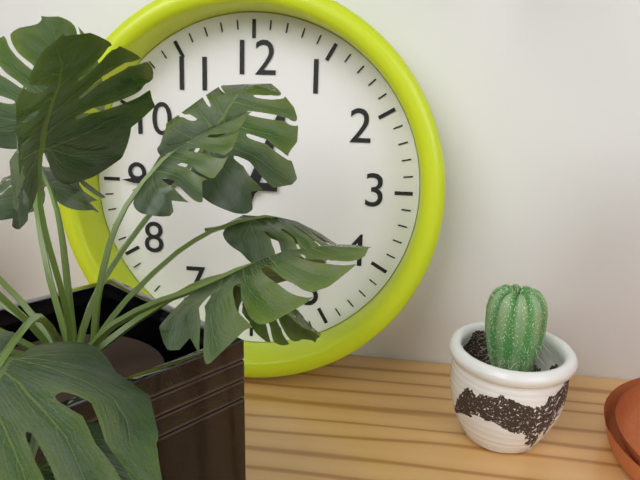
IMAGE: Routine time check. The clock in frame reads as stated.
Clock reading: 12:45
